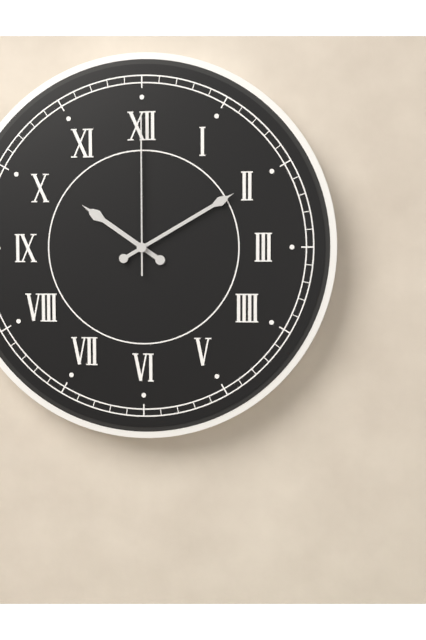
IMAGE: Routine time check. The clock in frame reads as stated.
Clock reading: 10:10:00
